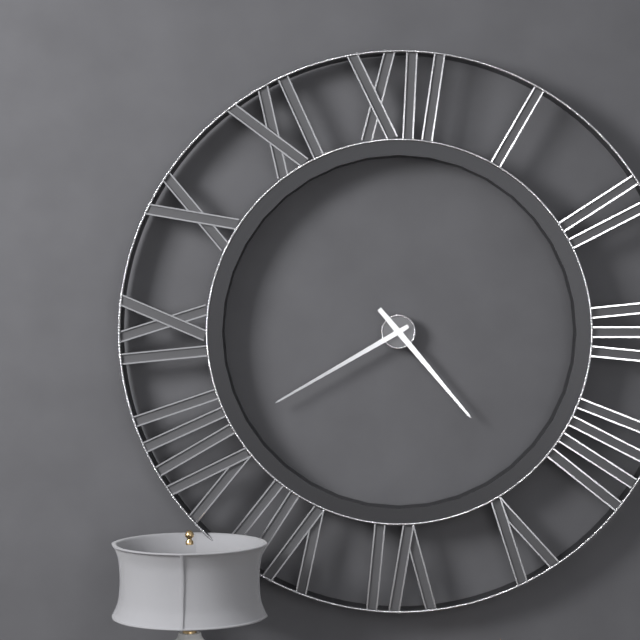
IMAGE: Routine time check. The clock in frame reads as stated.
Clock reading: 4:40
